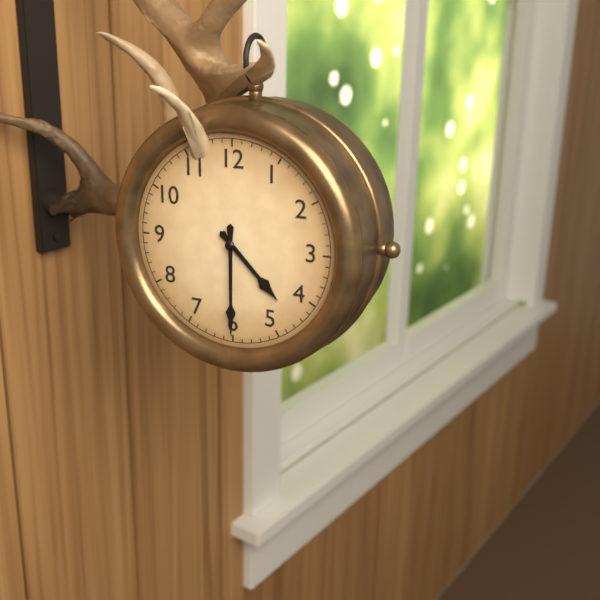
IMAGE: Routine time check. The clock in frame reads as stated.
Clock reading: 4:30
